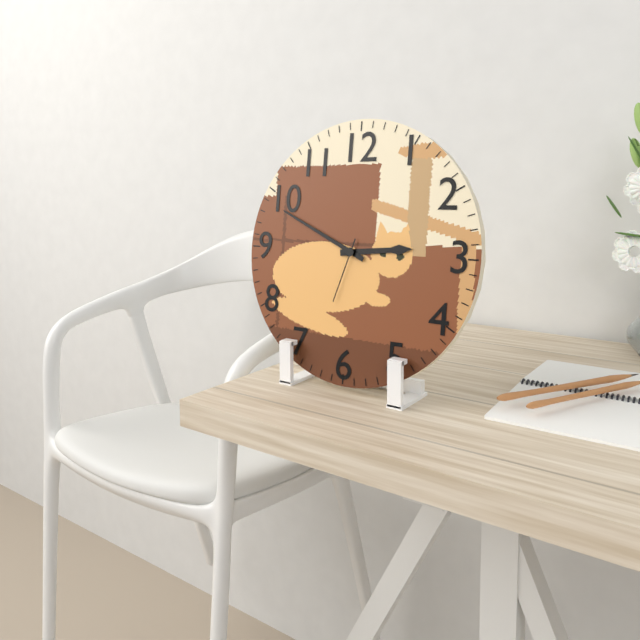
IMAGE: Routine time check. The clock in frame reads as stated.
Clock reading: 2:49:33
